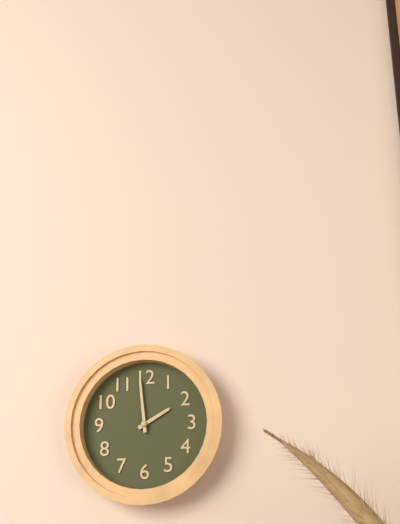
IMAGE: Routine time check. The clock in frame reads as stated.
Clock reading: 1:59
